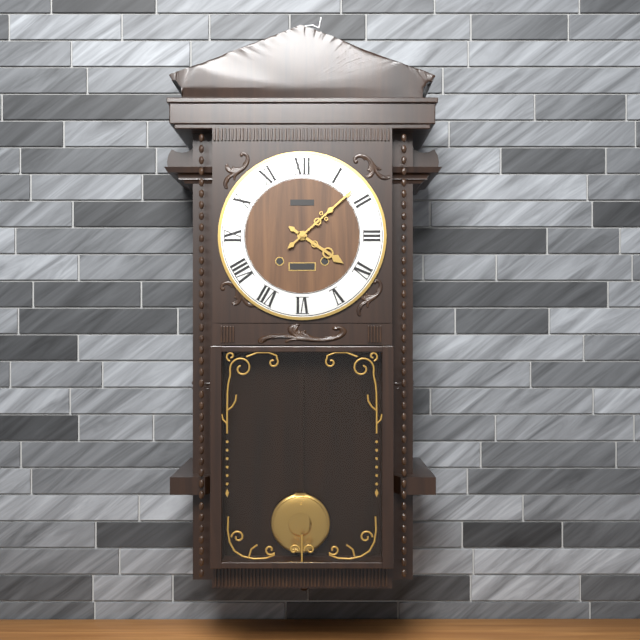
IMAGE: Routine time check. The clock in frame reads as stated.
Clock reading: 4:08
